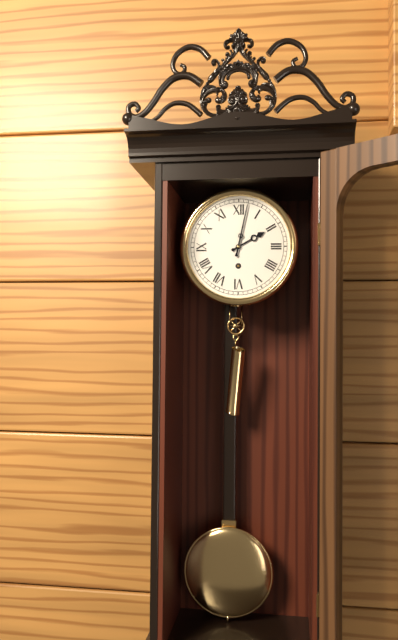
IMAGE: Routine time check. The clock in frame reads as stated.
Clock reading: 2:02
